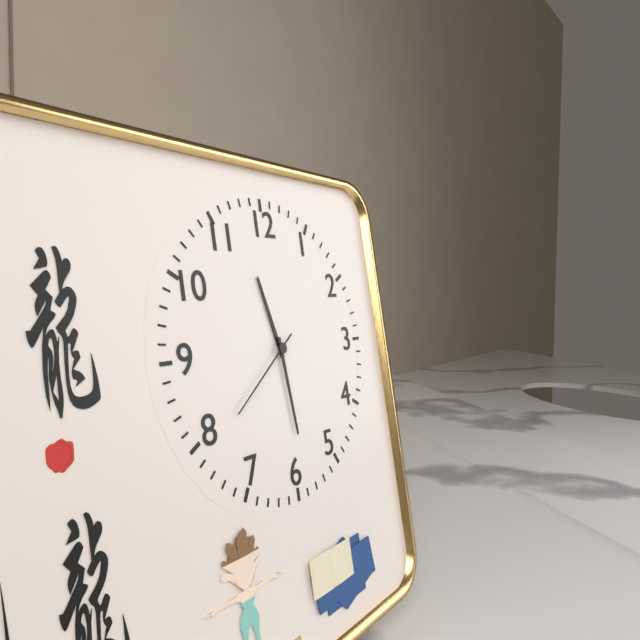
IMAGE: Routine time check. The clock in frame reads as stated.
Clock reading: 11:29:39
